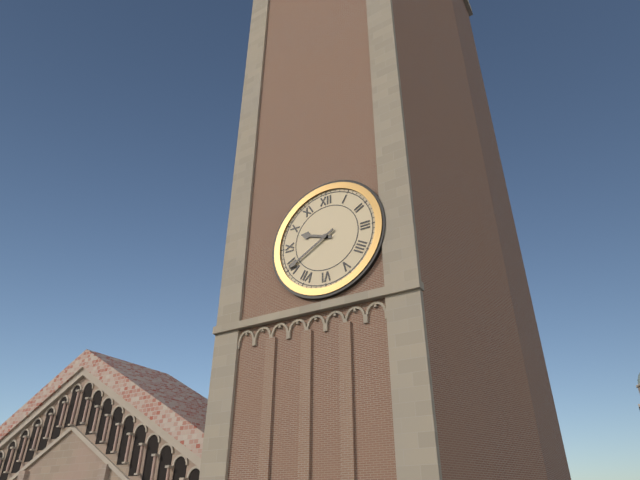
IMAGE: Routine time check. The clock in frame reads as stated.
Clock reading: 9:40
